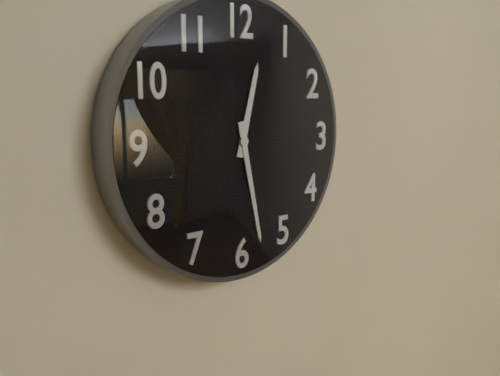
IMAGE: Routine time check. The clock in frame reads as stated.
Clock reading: 12:28
